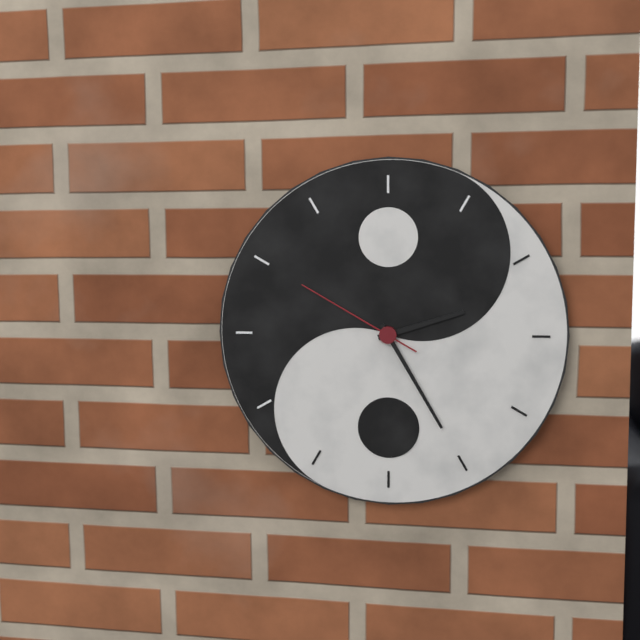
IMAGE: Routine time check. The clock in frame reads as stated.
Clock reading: 2:25:50
